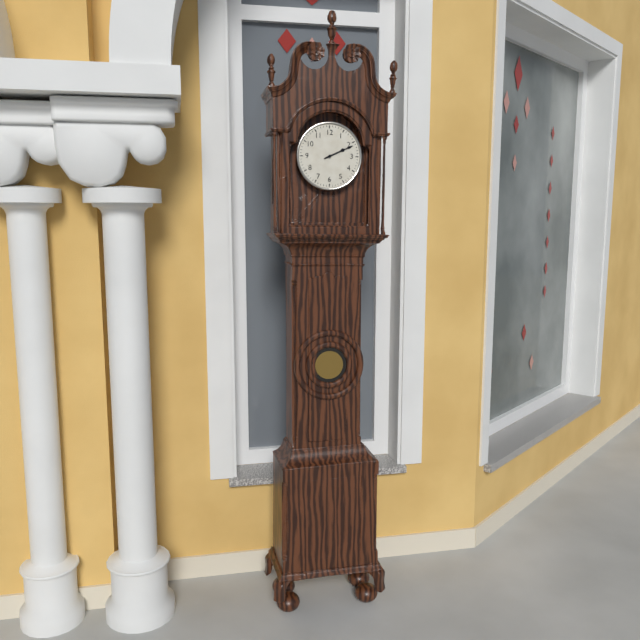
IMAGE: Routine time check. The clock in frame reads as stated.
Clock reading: 2:11
